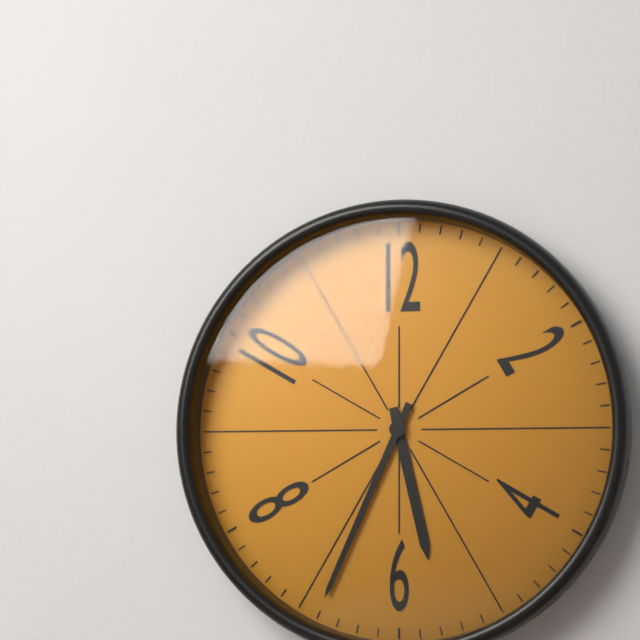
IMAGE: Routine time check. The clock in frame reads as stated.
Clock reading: 5:34
